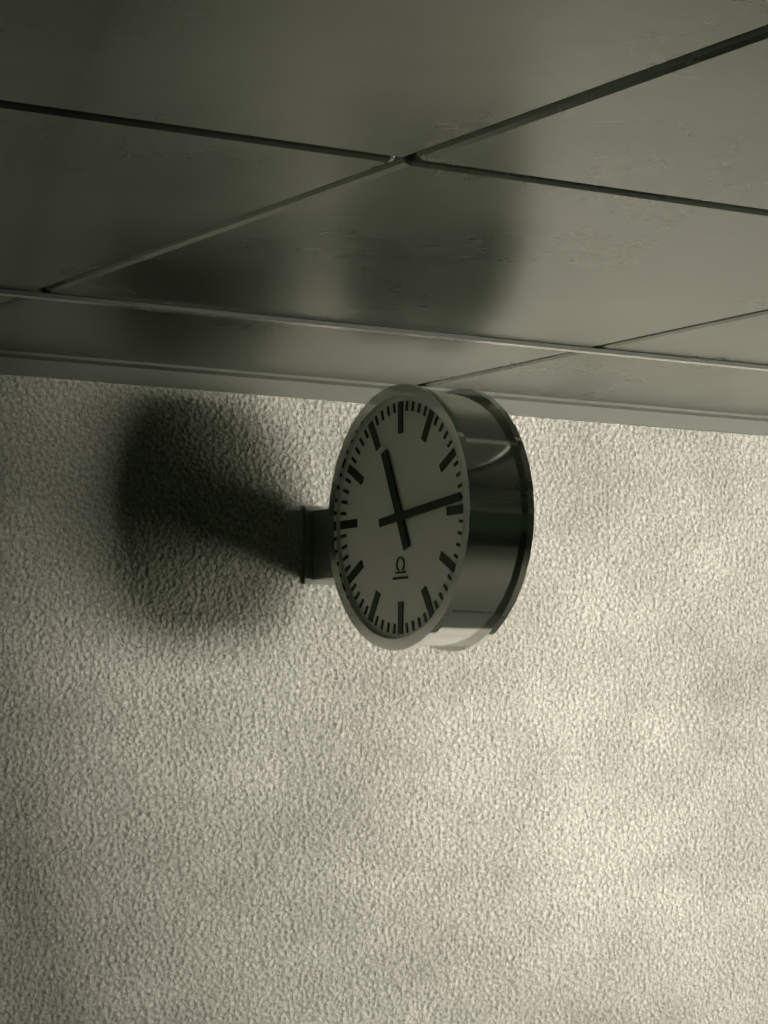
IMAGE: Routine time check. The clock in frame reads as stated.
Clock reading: 11:14
